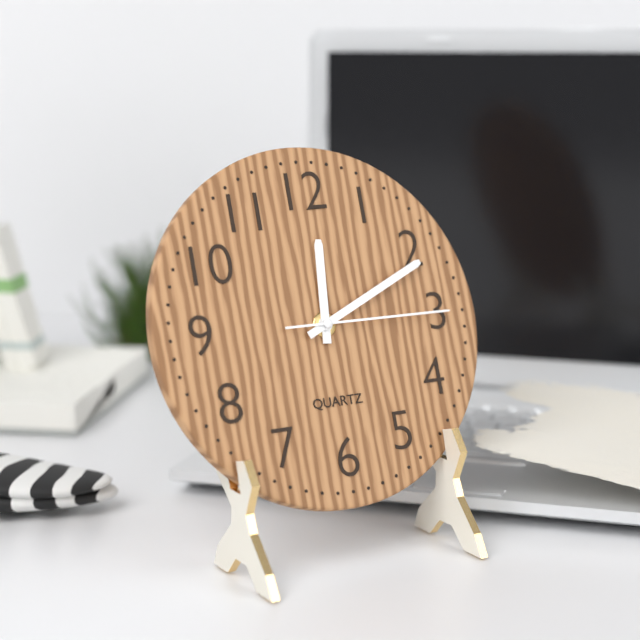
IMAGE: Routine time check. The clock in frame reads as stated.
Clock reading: 12:11:15
